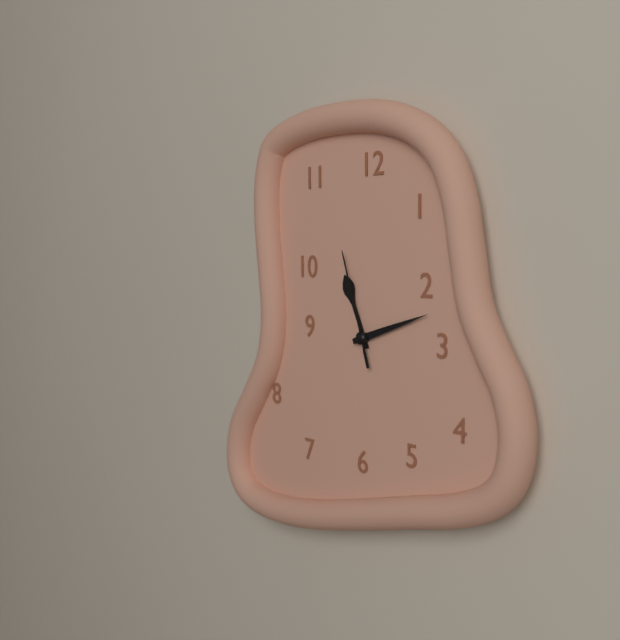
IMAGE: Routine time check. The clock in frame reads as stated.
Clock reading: 11:12:57
